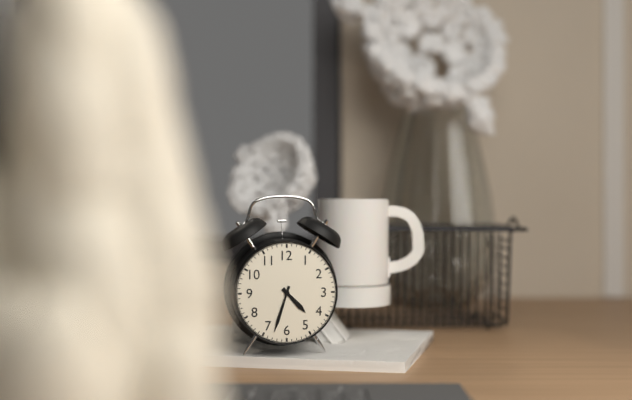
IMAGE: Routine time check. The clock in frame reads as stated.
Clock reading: 4:33
